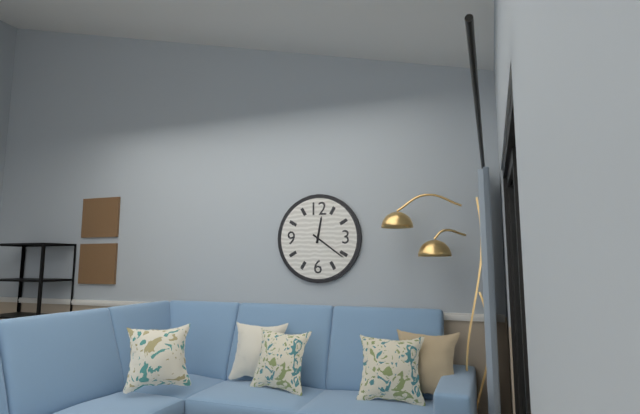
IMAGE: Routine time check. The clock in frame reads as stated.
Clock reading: 12:21
